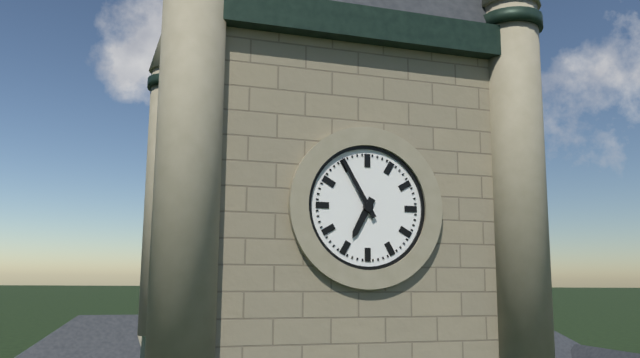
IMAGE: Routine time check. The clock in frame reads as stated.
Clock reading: 6:55
